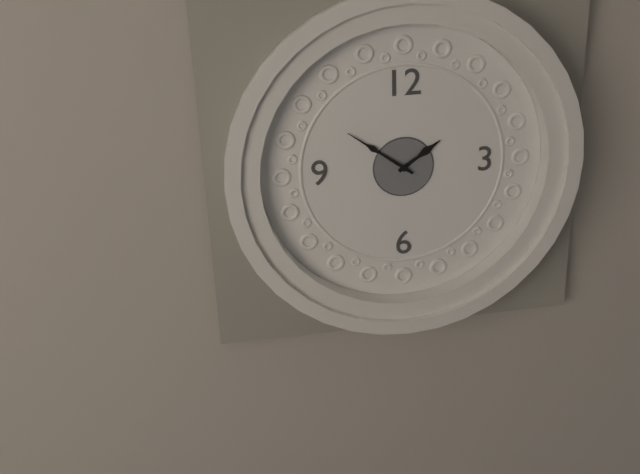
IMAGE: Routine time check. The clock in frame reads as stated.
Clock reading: 1:51
